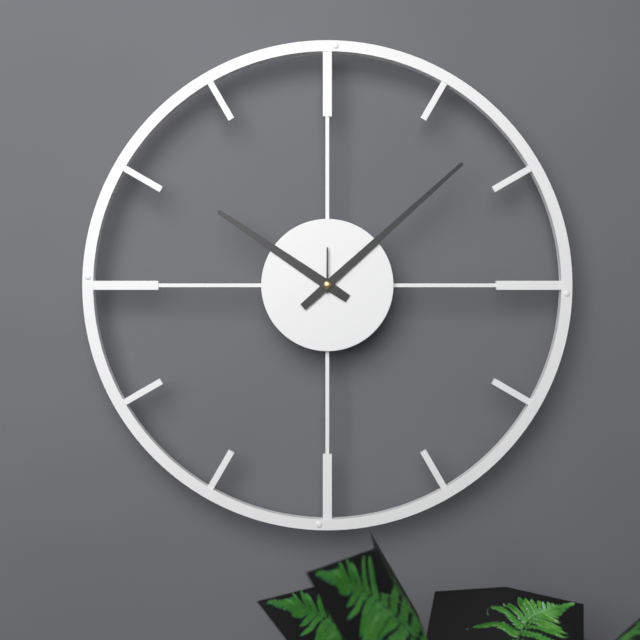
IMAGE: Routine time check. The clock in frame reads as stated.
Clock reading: 10:08
